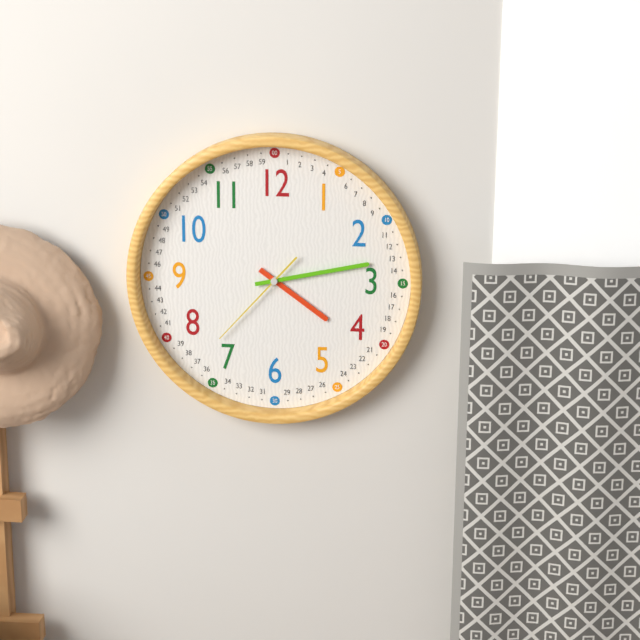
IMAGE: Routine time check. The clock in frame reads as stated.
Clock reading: 4:13:37
